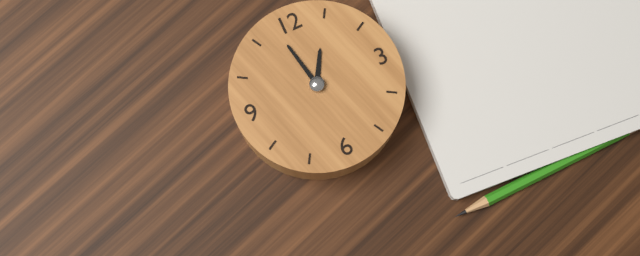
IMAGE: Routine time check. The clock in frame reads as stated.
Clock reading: 12:58
